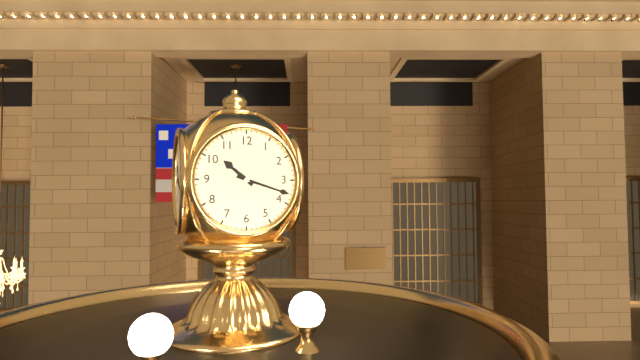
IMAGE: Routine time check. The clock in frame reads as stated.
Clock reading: 10:18
